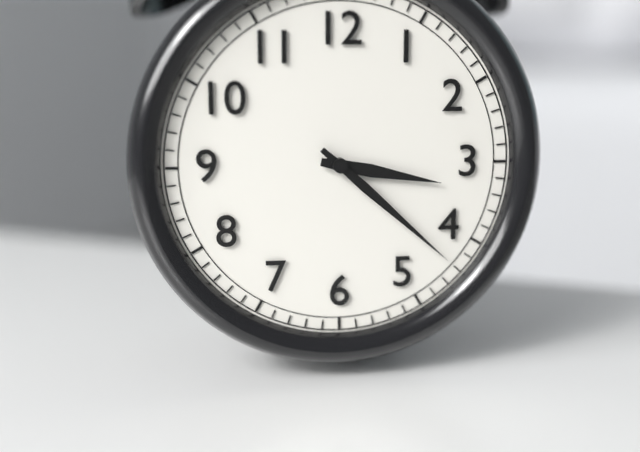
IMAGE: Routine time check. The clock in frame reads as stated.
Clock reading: 3:22
